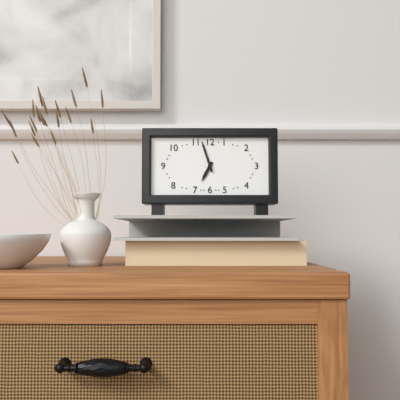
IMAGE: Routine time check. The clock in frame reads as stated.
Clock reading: 6:57
